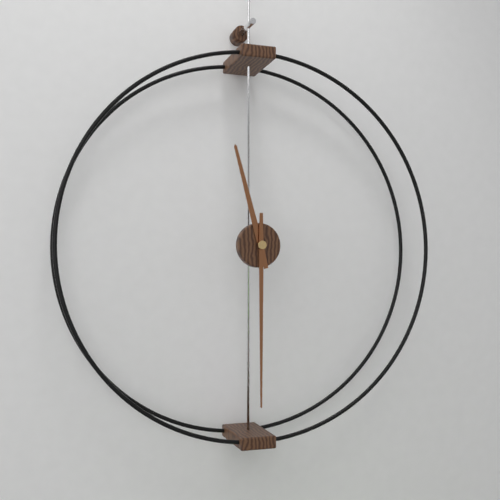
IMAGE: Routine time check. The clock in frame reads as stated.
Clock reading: 11:30
